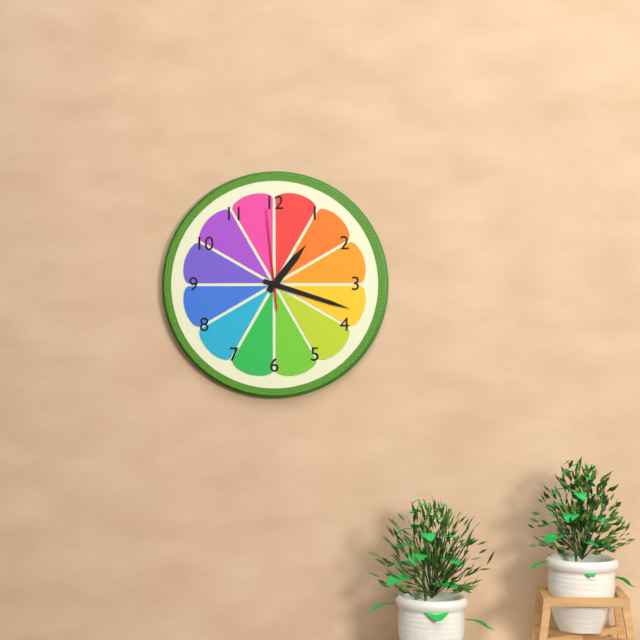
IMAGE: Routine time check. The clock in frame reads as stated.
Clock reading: 1:18:59
